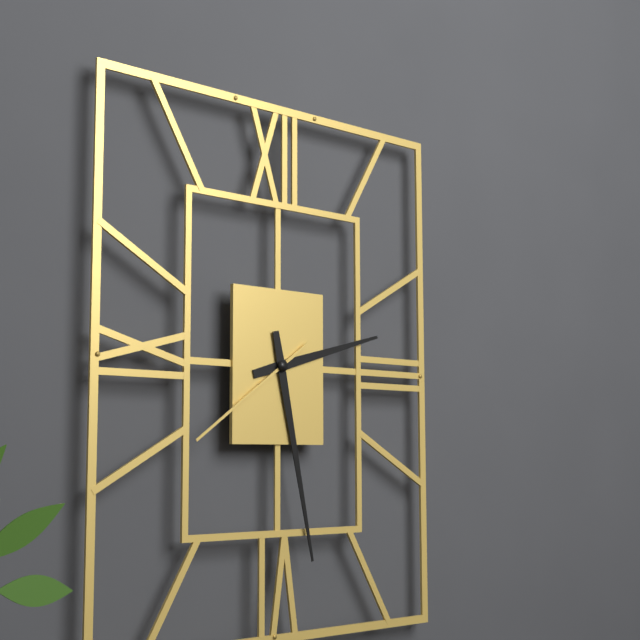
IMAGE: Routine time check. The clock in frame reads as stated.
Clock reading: 2:28:39
